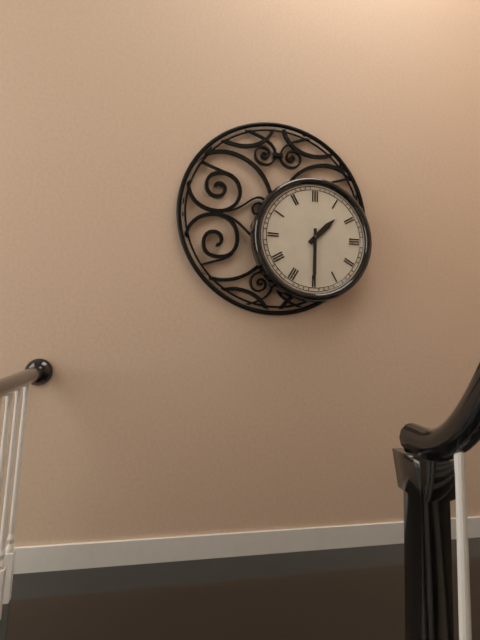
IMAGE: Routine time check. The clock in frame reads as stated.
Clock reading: 1:30
